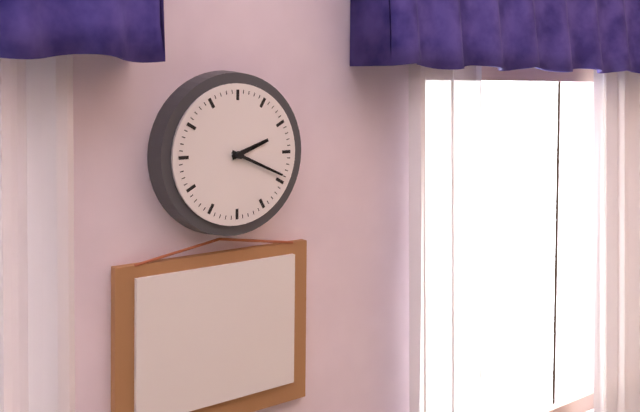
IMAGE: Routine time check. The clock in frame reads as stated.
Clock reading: 2:19
